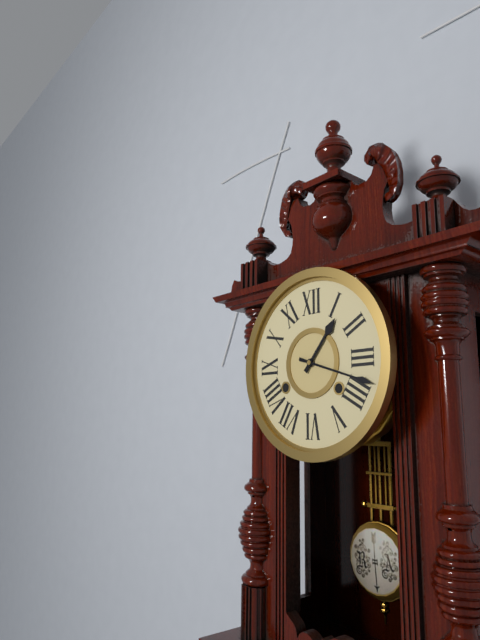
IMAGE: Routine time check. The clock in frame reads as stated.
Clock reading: 1:18
